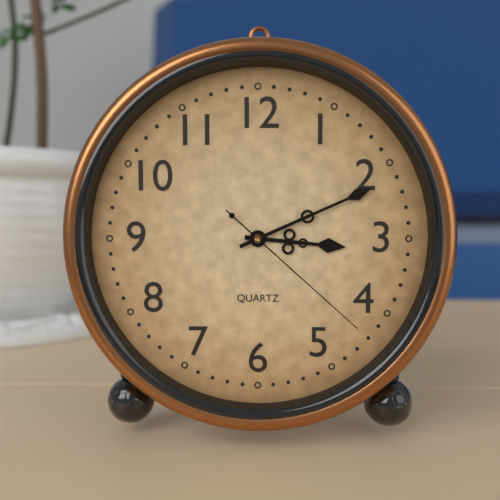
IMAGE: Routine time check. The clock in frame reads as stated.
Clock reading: 3:11:22
